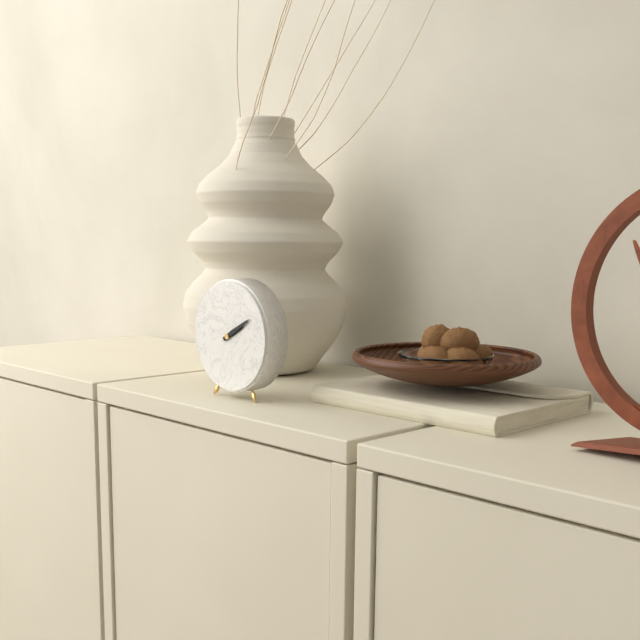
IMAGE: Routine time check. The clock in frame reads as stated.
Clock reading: 2:10
